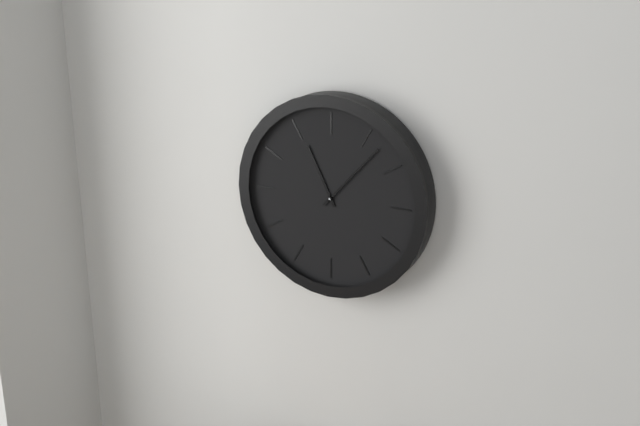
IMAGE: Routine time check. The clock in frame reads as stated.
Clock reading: 11:07
